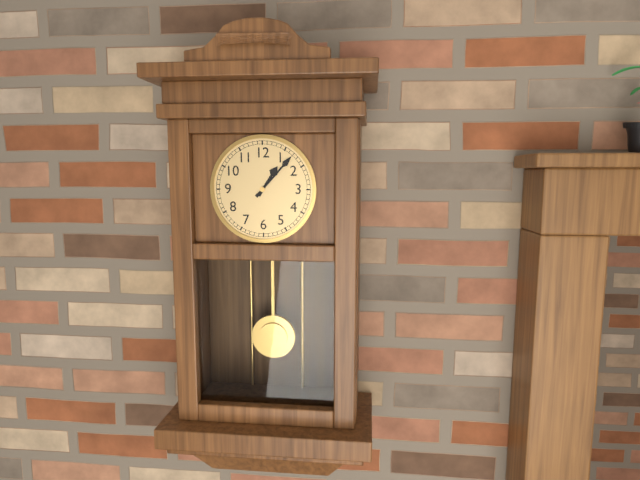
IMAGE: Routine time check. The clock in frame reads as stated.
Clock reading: 1:07
